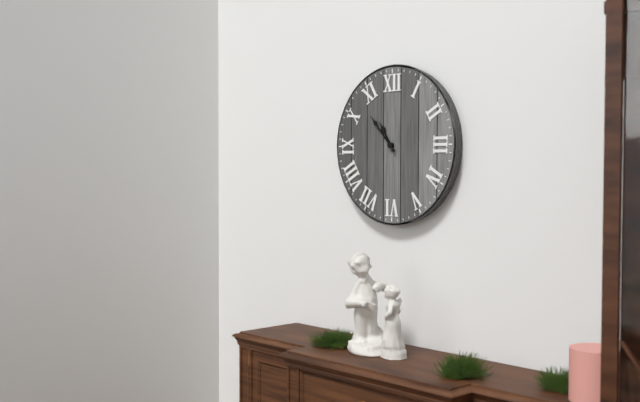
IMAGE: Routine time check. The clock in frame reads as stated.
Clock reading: 10:53
